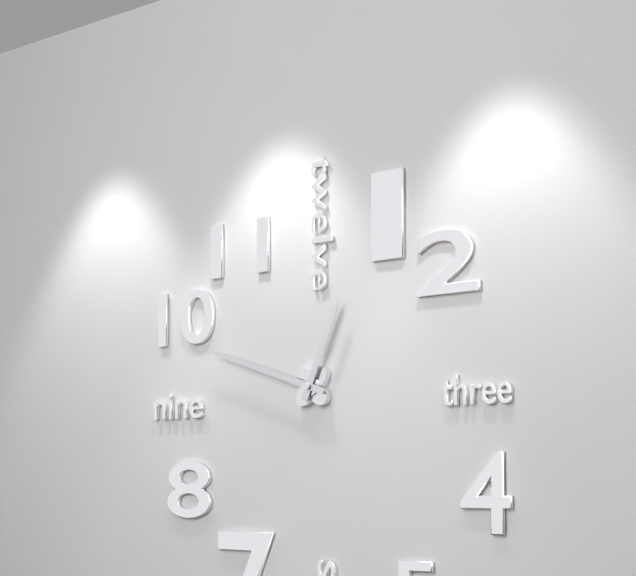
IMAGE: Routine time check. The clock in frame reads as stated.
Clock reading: 12:48
